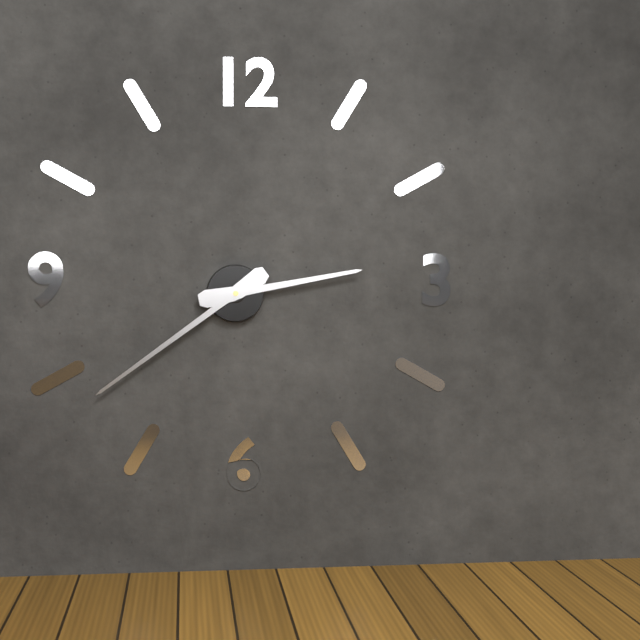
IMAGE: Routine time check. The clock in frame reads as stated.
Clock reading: 2:39
